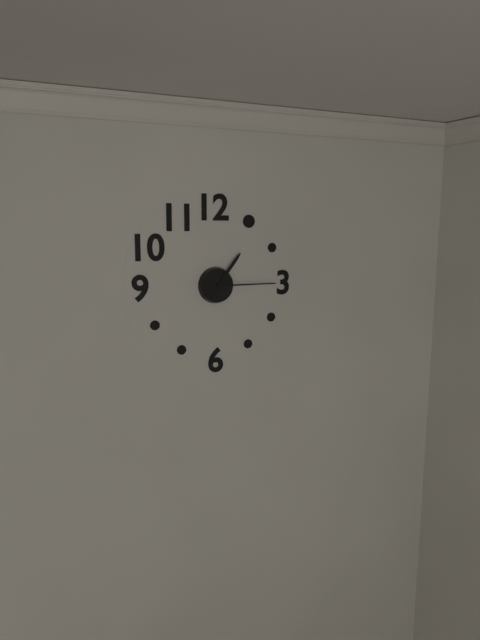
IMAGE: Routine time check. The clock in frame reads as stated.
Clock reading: 1:15
